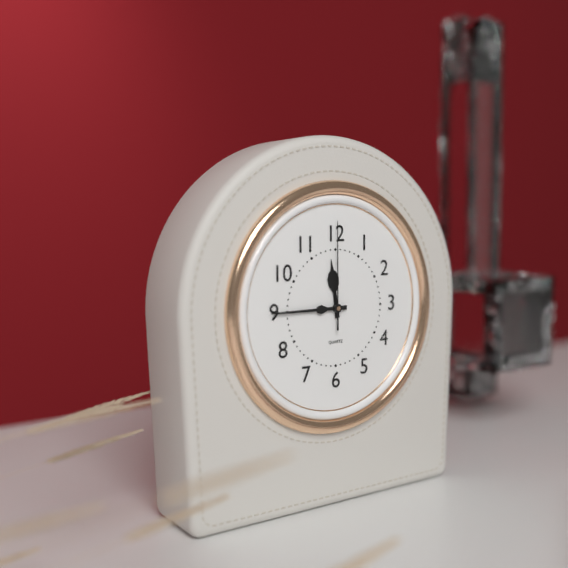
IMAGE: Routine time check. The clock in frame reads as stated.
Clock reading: 11:45:00
